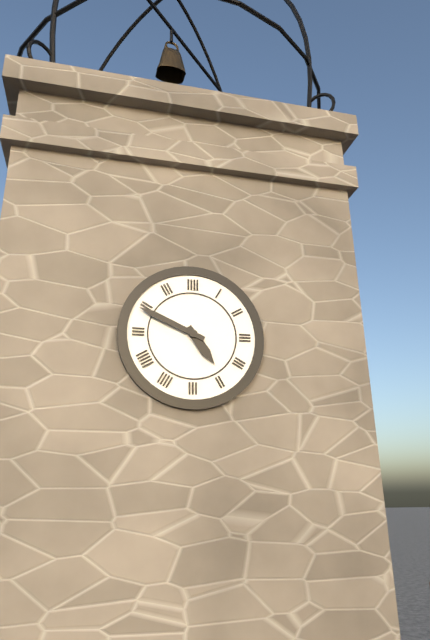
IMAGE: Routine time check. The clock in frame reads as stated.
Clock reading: 4:49
